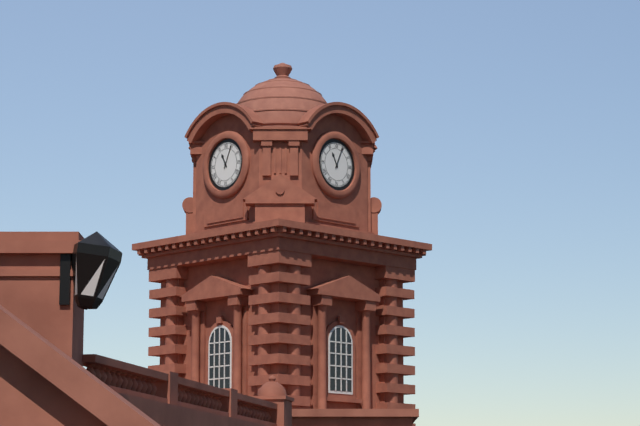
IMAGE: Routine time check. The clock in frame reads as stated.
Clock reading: 11:04
